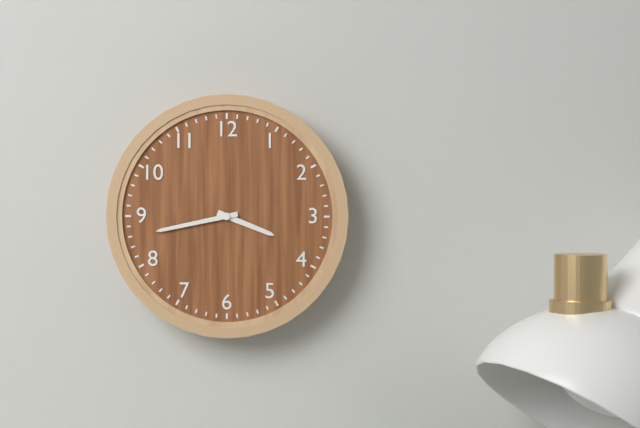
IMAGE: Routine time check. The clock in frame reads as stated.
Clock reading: 3:43
